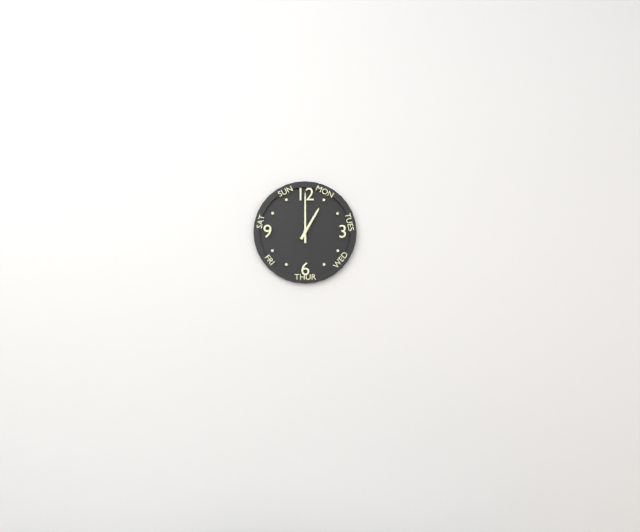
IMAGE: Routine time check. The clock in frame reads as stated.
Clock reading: 1:00
